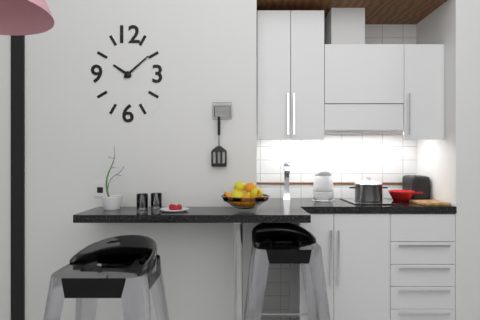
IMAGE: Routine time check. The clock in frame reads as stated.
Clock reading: 10:08
